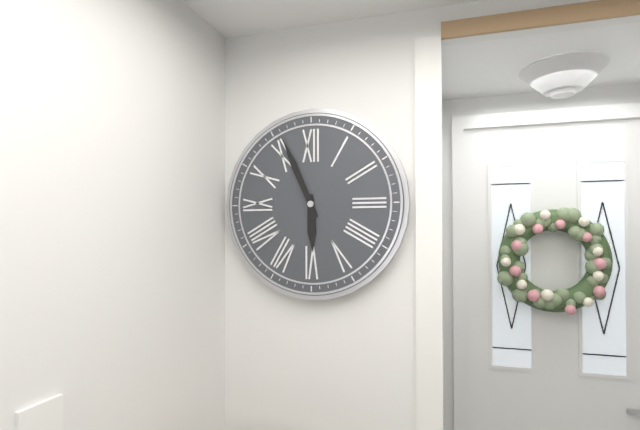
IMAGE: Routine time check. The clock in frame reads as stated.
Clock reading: 5:56
